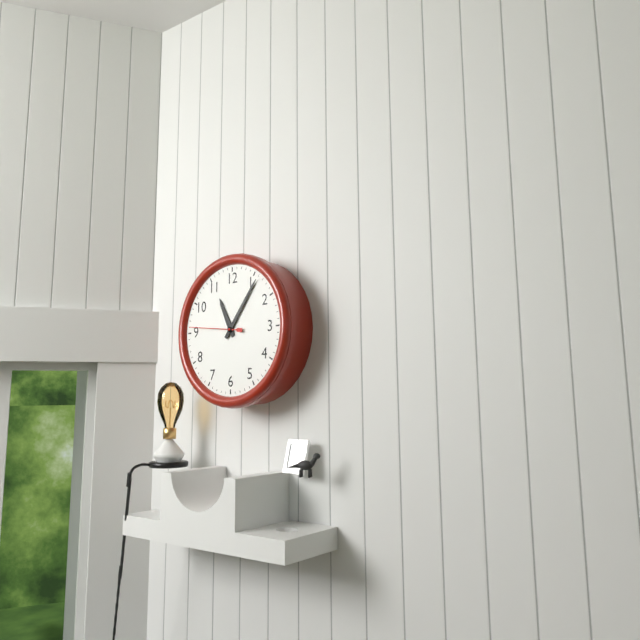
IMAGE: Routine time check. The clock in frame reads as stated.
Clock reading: 11:06:46
